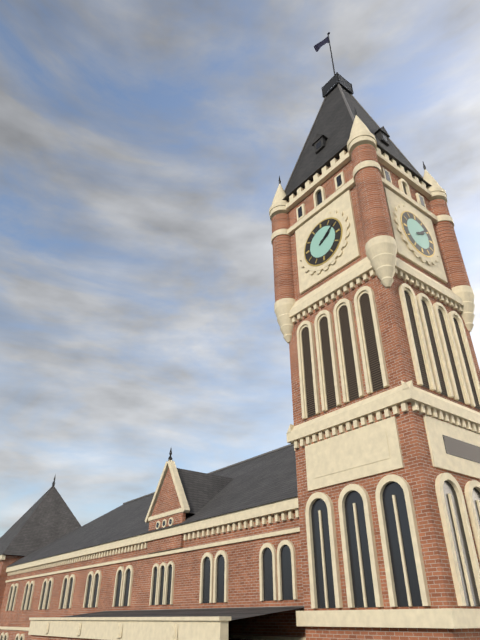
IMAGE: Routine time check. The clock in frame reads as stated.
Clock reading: 2:09
